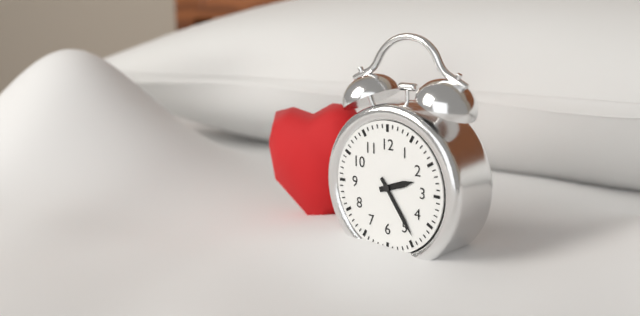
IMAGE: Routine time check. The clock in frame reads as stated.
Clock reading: 2:24
